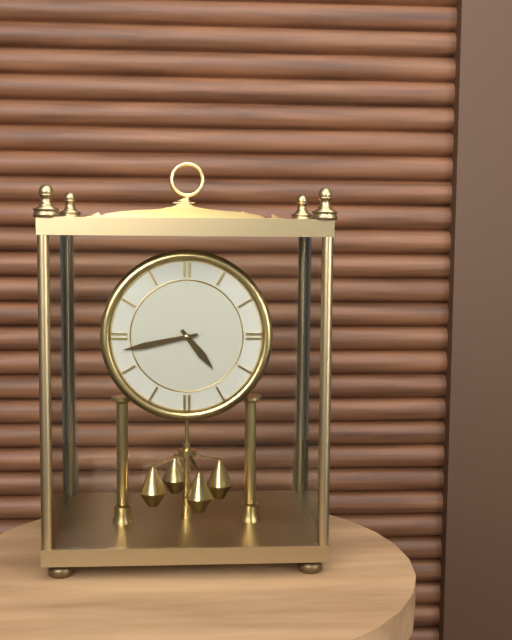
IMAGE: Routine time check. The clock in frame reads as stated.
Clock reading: 4:43
